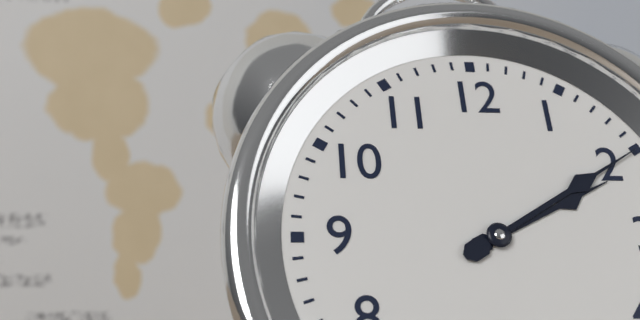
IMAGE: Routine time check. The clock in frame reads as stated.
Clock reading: 2:10
